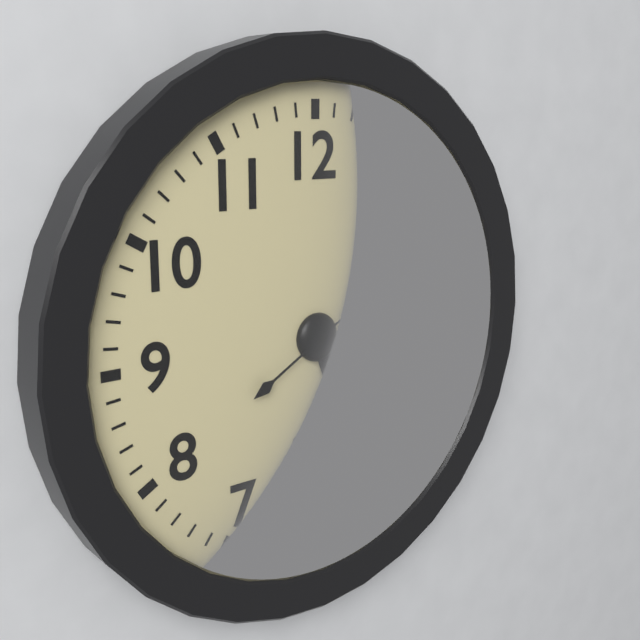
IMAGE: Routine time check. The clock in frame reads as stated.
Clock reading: 5:24:10
